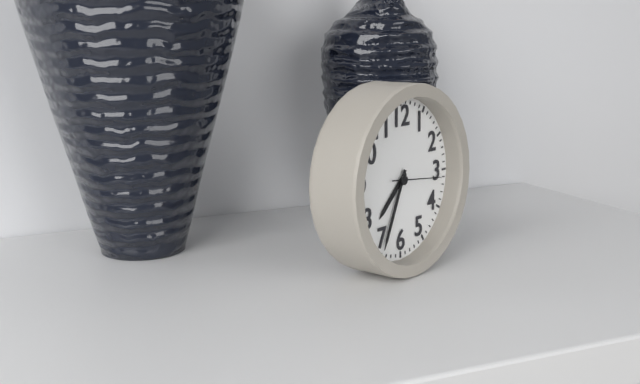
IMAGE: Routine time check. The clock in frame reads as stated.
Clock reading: 7:34:16
